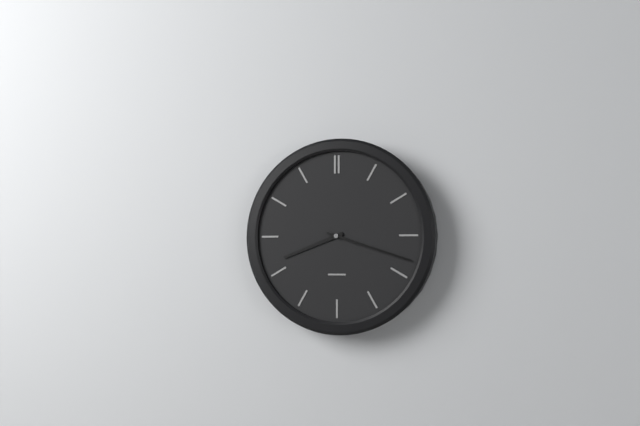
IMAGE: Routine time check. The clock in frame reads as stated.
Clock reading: 8:18
